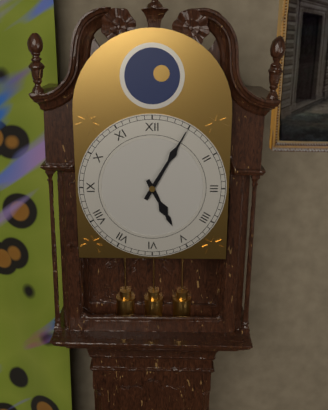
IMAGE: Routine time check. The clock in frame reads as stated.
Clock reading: 5:05
